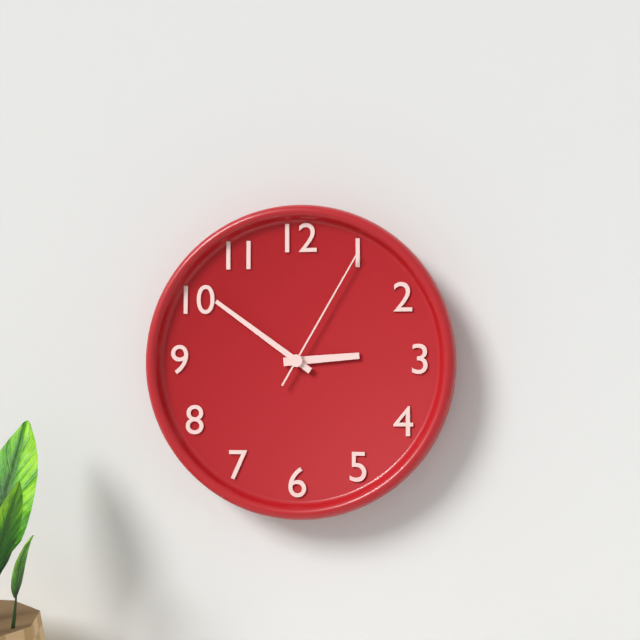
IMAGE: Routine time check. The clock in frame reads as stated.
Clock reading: 2:51:05
